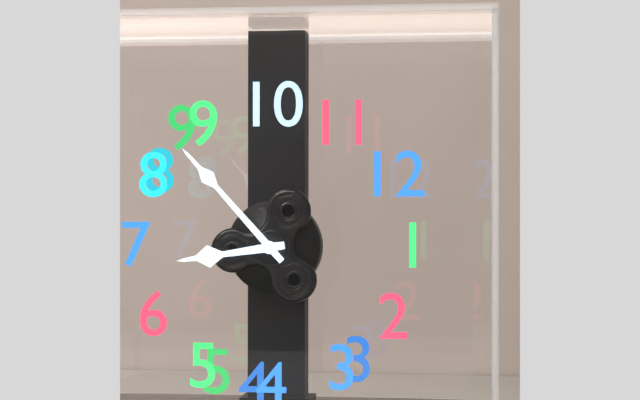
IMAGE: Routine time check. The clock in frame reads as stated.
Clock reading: 6:43
